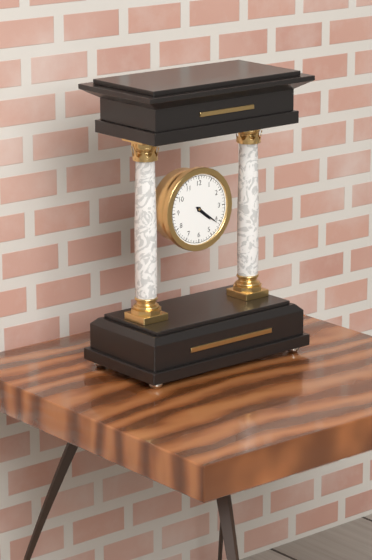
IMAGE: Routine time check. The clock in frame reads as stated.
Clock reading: 4:21
